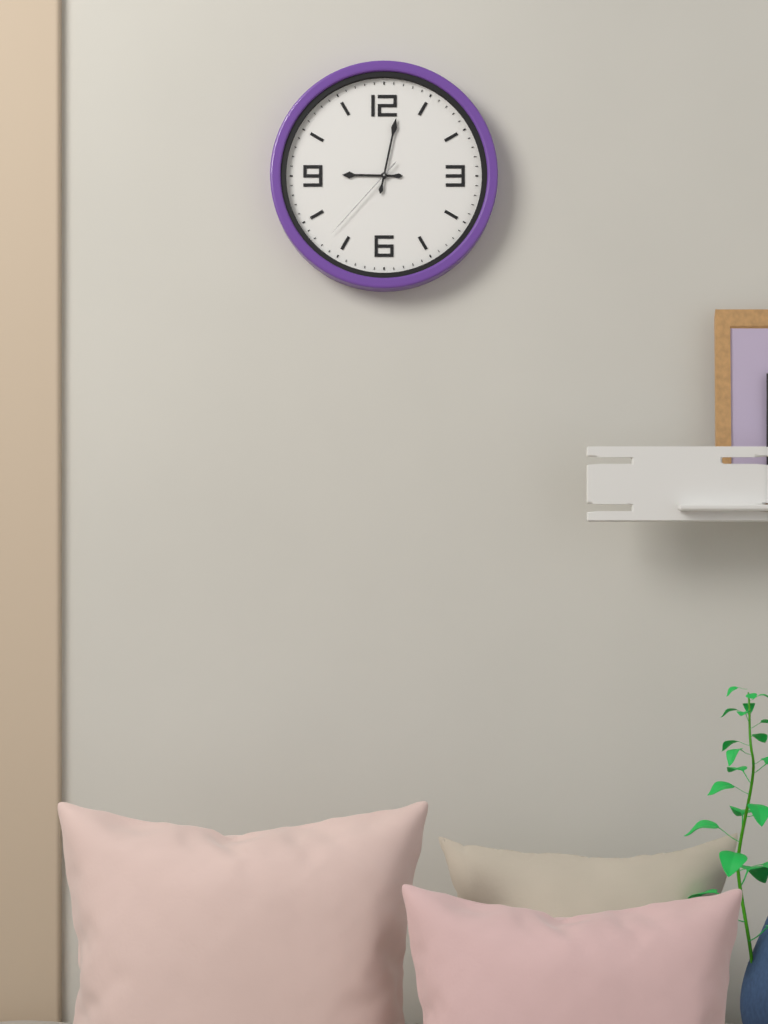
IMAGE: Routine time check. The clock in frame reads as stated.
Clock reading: 9:02:37
